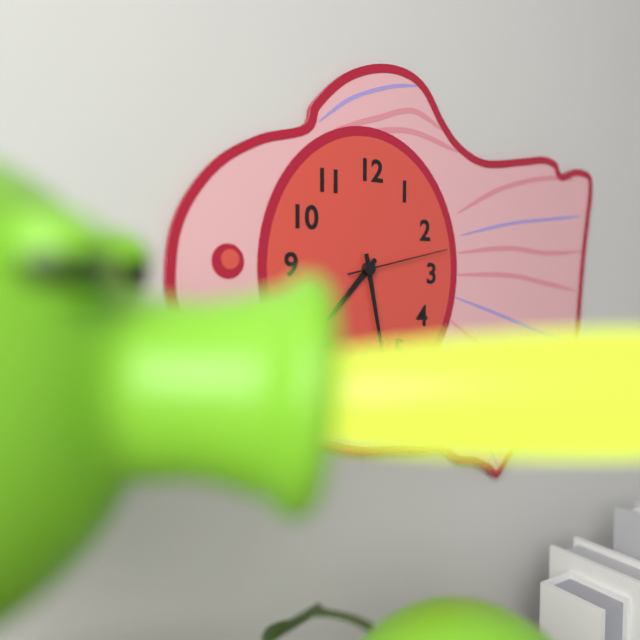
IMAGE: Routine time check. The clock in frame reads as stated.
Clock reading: 7:28:13
